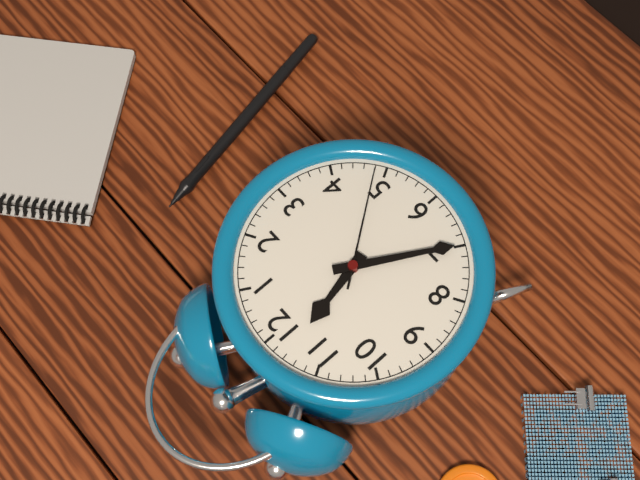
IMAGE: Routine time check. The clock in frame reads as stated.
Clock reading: 11:35:24
